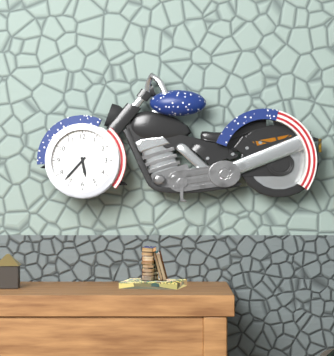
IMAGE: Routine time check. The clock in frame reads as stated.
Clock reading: 5:37
